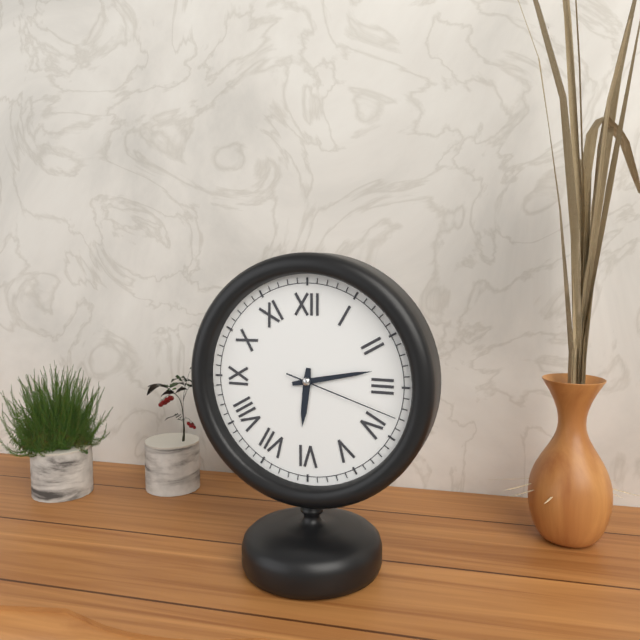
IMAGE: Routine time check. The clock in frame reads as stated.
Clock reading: 6:13:18
